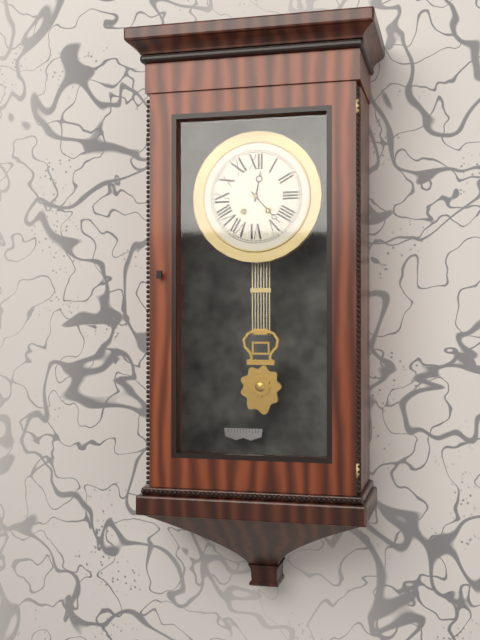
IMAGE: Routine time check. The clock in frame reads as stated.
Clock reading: 12:23
